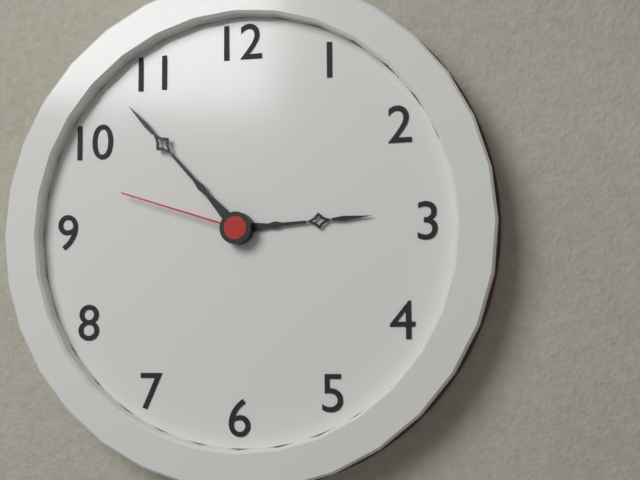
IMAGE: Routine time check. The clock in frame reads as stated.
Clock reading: 2:53:48
